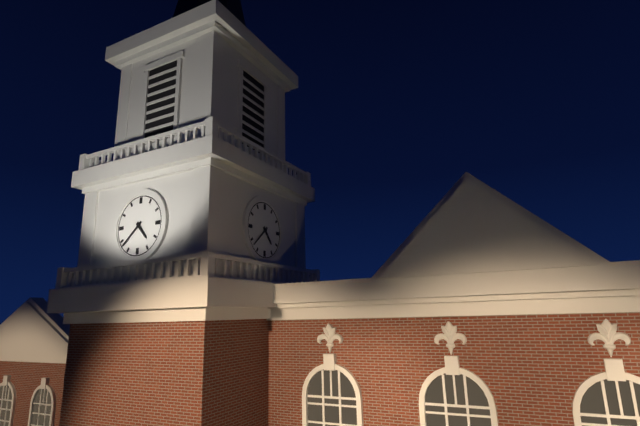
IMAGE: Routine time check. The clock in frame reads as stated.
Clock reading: 4:38
